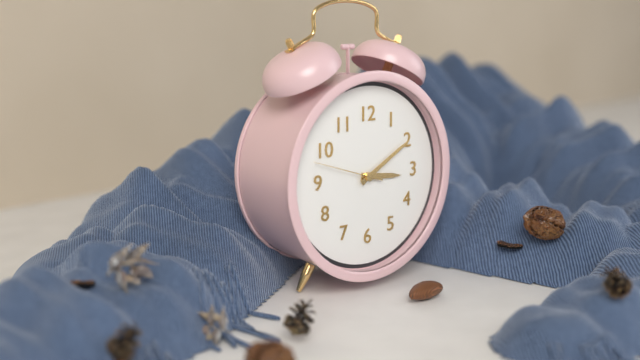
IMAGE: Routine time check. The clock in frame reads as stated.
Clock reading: 3:10:48
